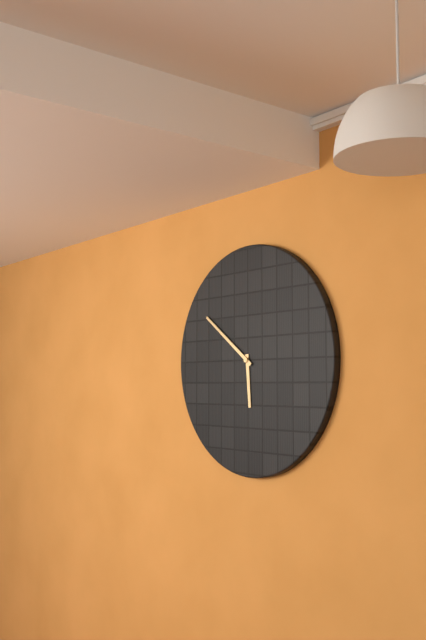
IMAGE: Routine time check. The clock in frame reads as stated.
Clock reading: 5:51
